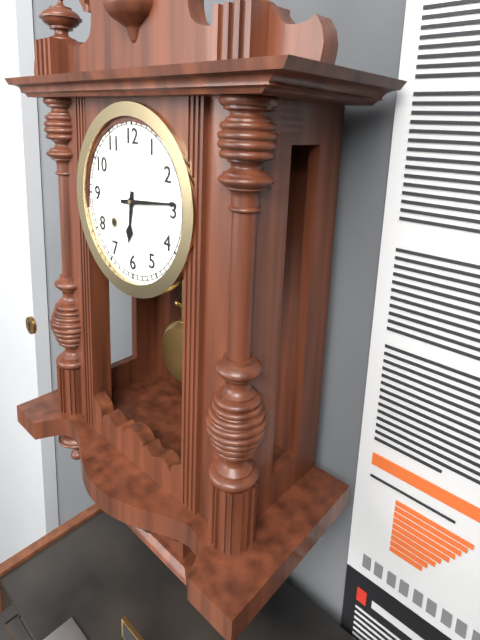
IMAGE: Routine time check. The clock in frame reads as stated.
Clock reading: 6:14
